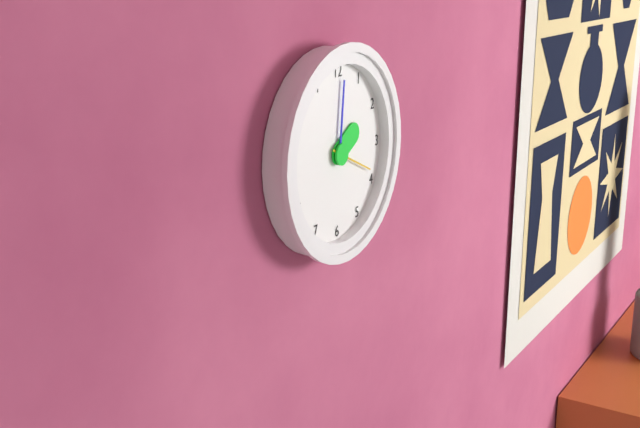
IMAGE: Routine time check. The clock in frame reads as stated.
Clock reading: 2:01:19
